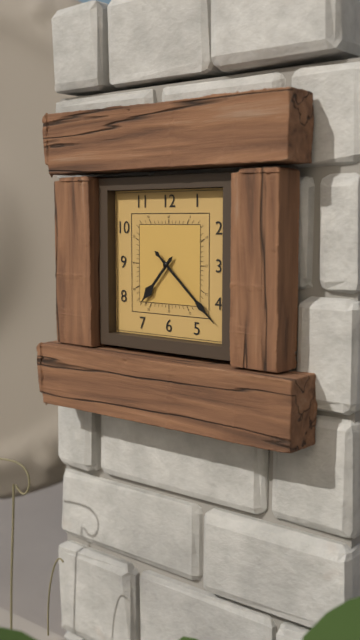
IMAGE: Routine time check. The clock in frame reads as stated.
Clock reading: 7:22
